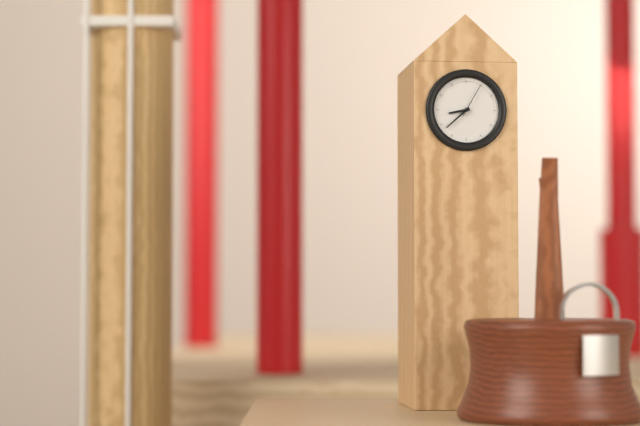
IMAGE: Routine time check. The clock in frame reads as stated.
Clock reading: 8:38
